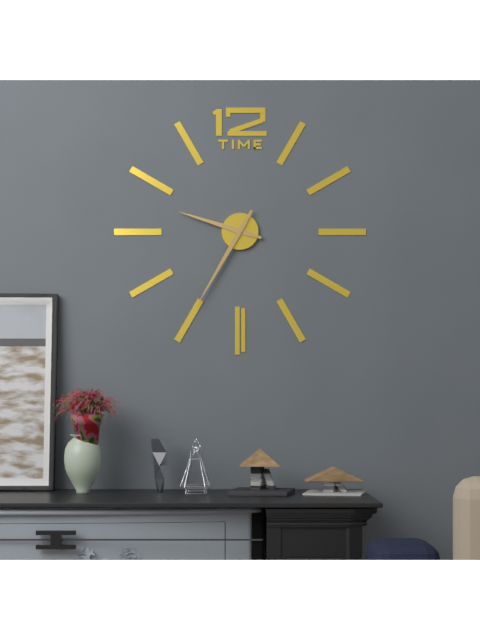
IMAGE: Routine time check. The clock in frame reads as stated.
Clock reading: 9:35
